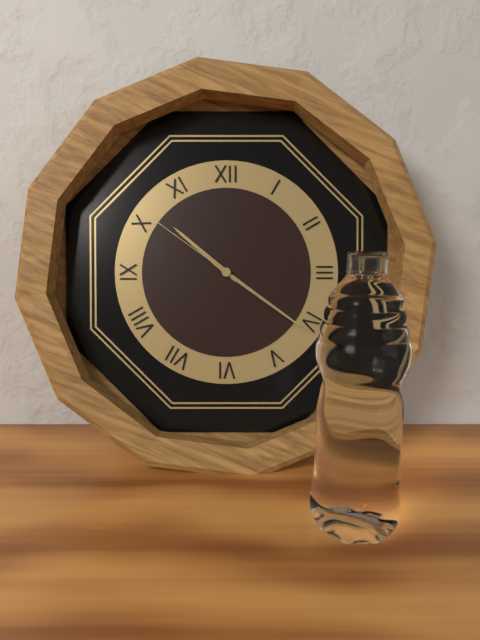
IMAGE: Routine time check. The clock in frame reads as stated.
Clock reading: 10:21:51
